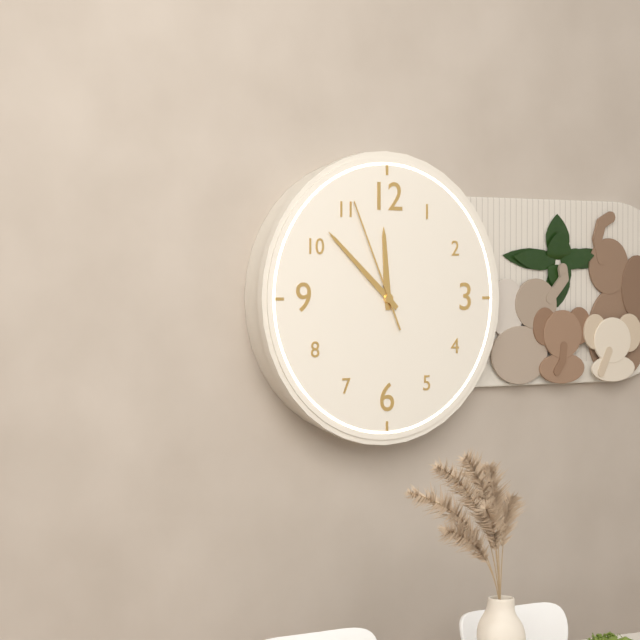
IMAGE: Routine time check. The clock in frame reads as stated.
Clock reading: 11:52:56
